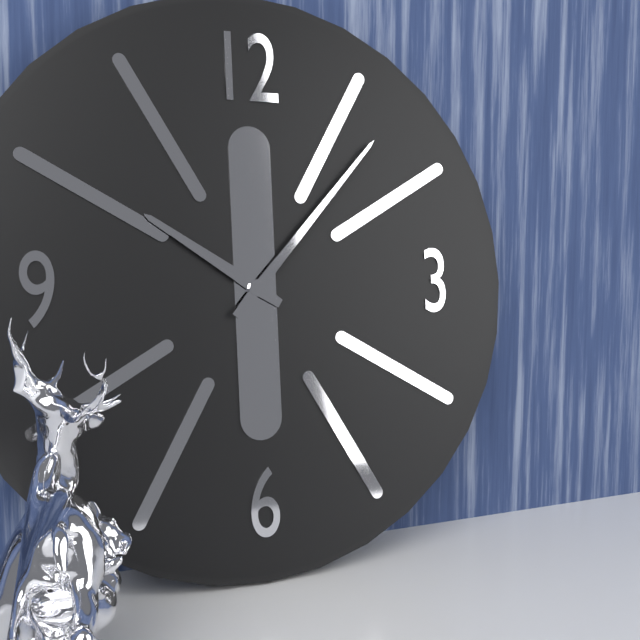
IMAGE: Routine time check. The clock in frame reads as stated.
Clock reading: 10:07
